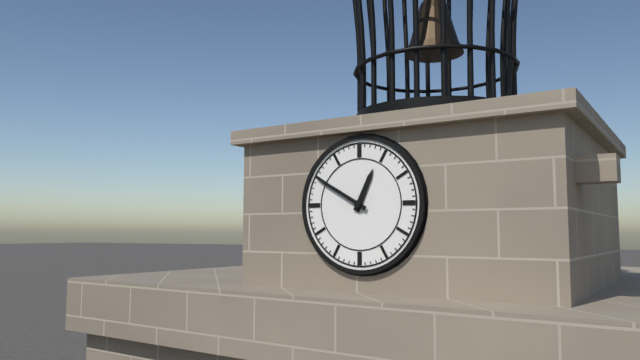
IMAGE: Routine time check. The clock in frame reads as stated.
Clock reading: 12:50
